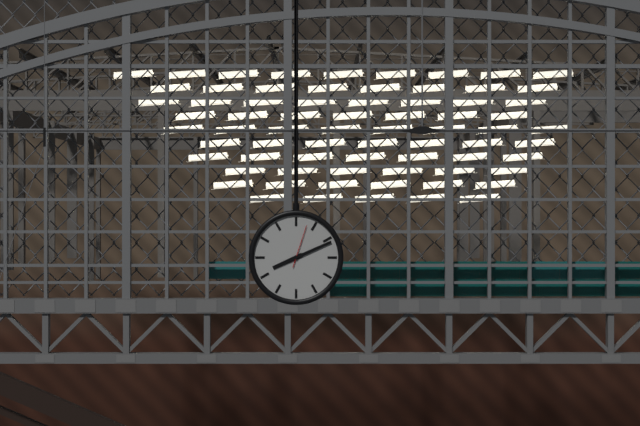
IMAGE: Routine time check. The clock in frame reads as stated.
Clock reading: 8:11
